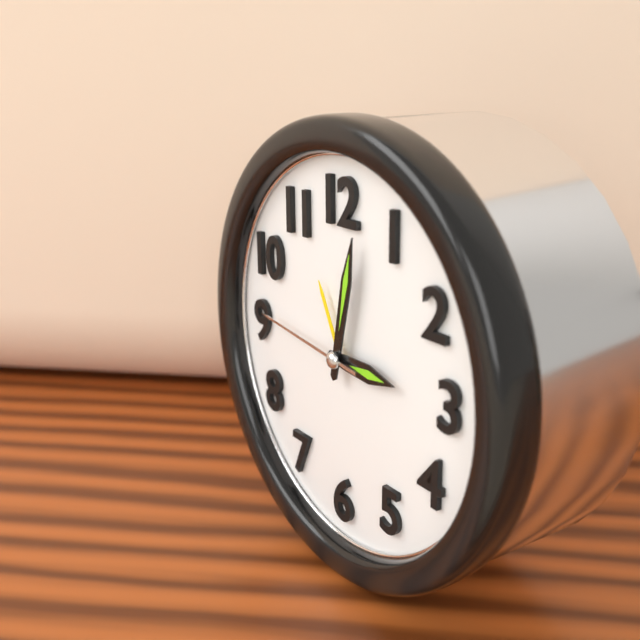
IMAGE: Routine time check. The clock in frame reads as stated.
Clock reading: 3:02:46
